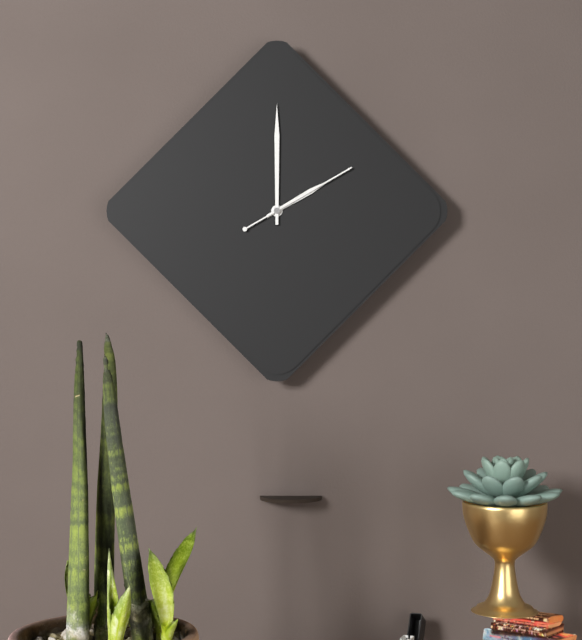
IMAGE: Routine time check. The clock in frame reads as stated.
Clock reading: 2:00:10
